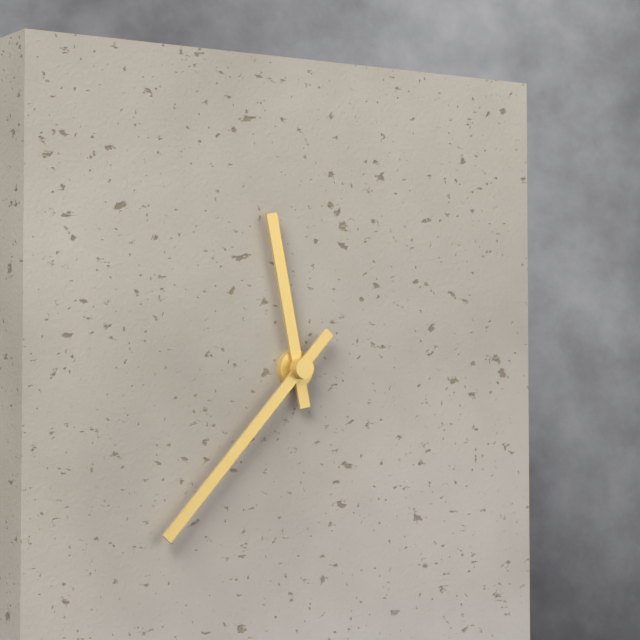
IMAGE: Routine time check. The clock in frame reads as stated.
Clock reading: 11:37
